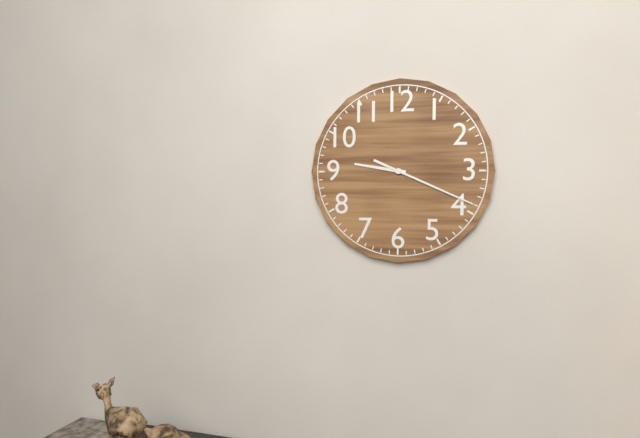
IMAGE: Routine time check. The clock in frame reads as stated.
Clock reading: 9:19
